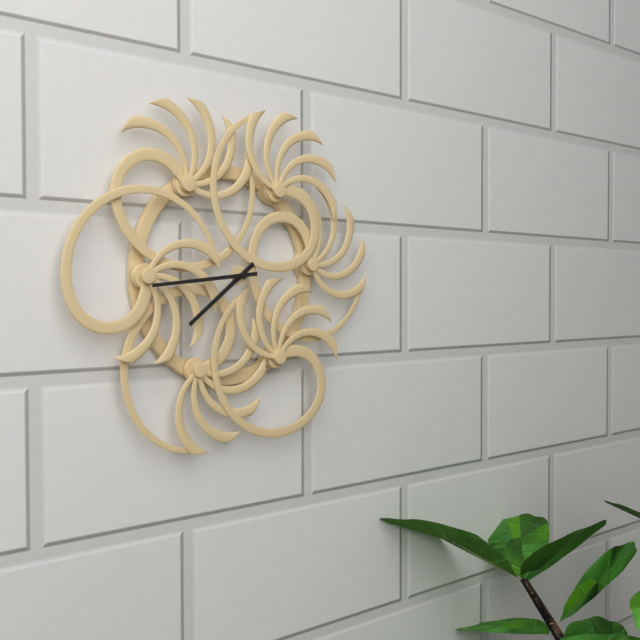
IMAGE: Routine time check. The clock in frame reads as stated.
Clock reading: 7:44
